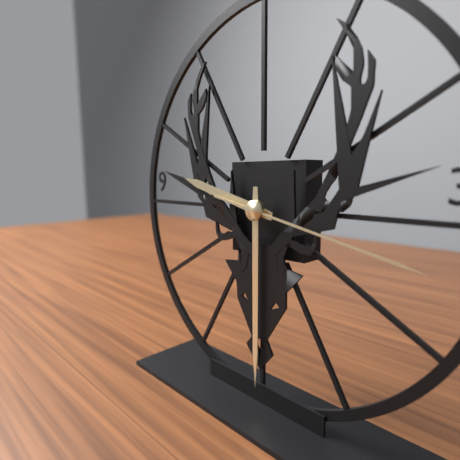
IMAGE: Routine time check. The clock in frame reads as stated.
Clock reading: 9:30:17
